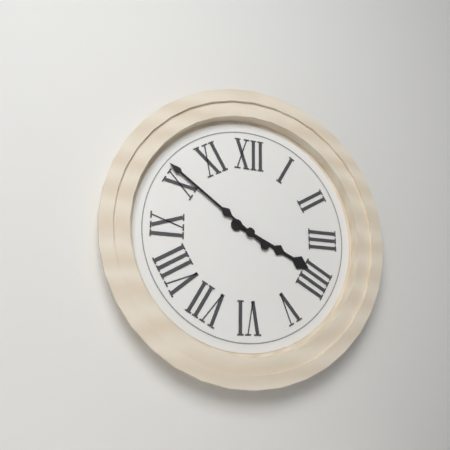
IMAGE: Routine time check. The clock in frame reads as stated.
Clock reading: 3:51
